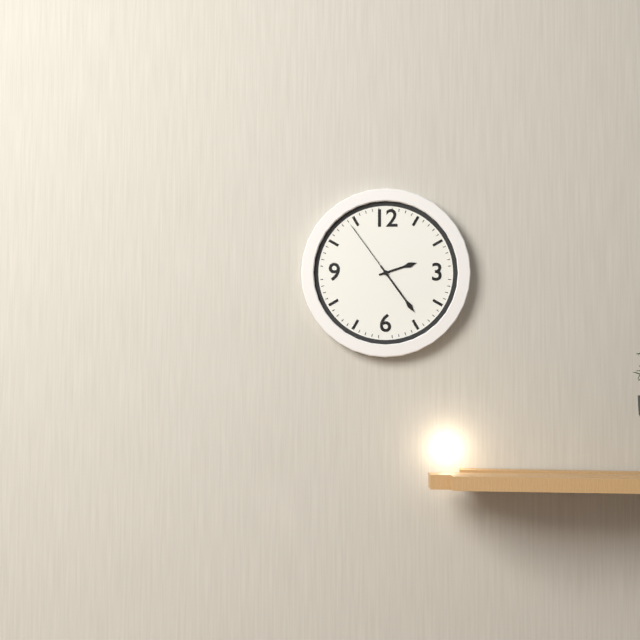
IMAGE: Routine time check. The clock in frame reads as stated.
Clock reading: 2:24:54
